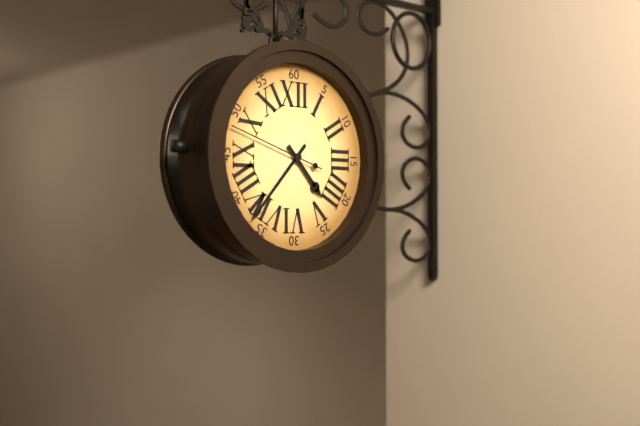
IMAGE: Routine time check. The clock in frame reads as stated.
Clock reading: 4:37:48
